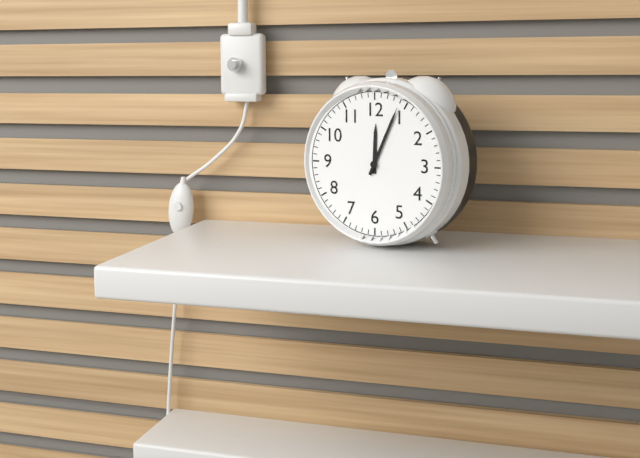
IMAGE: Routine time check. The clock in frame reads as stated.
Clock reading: 12:04
